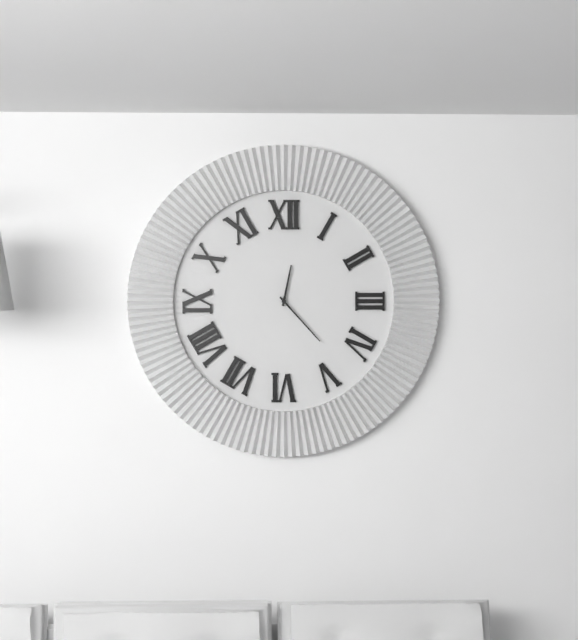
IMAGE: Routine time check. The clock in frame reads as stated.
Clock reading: 12:23
